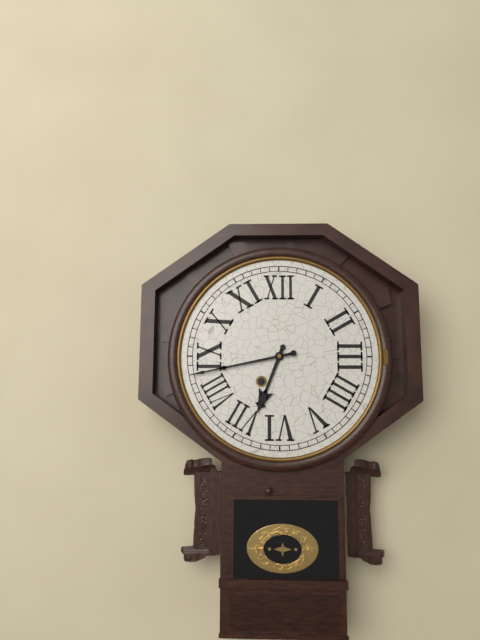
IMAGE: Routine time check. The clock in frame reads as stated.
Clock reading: 6:43
